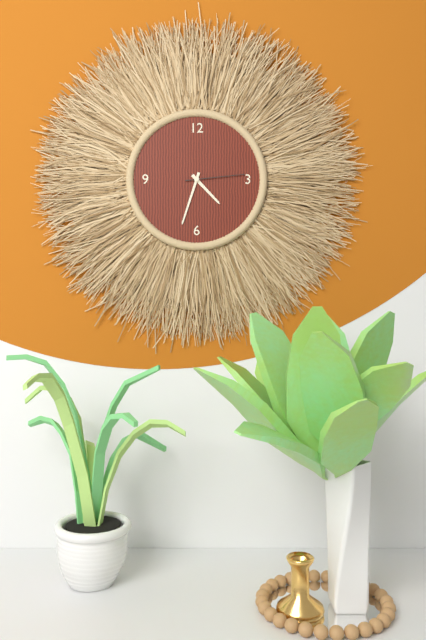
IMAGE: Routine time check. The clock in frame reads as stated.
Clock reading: 4:33:14
